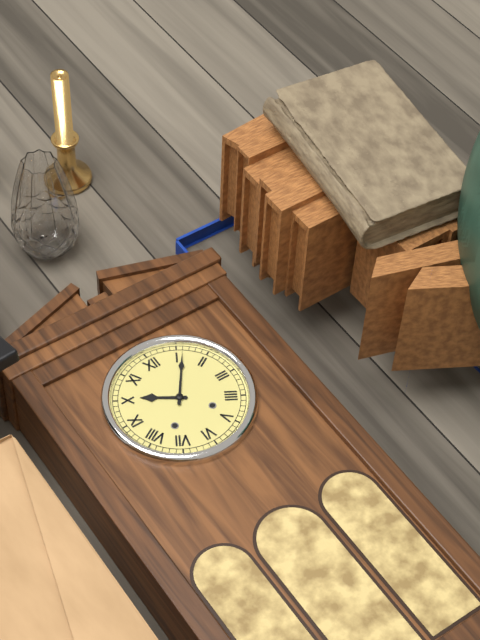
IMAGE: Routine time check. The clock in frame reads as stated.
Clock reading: 10:06
